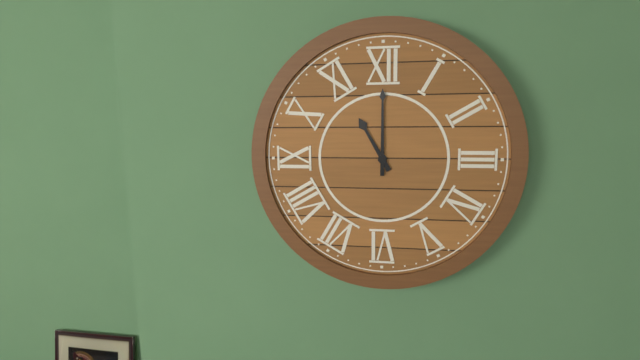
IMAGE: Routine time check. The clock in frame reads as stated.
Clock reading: 11:00
